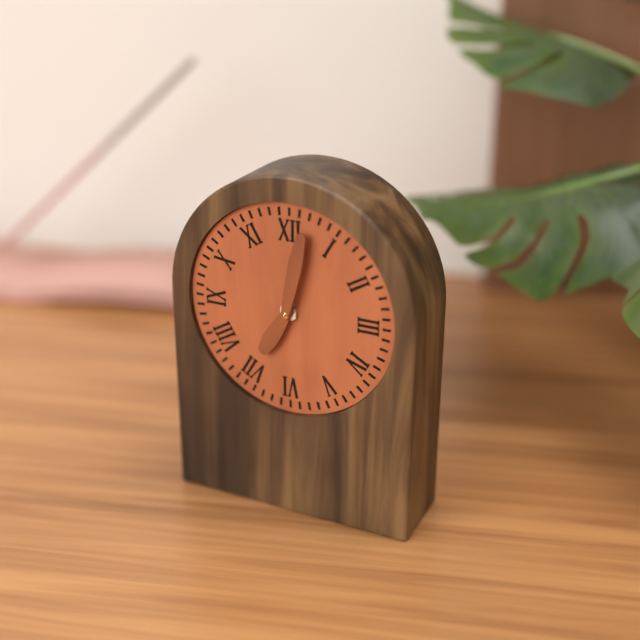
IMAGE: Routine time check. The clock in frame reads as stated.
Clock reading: 7:02
